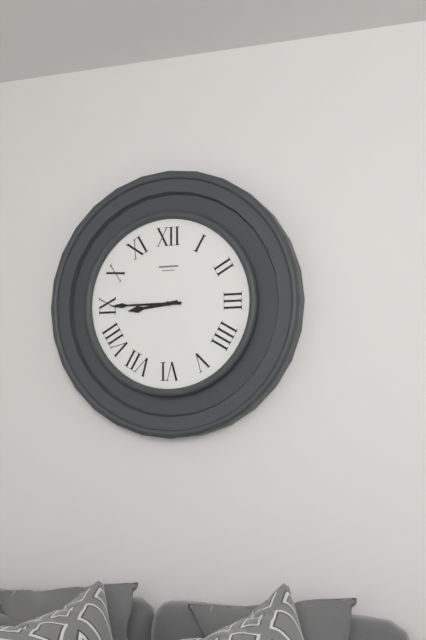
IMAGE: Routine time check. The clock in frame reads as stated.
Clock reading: 8:45
